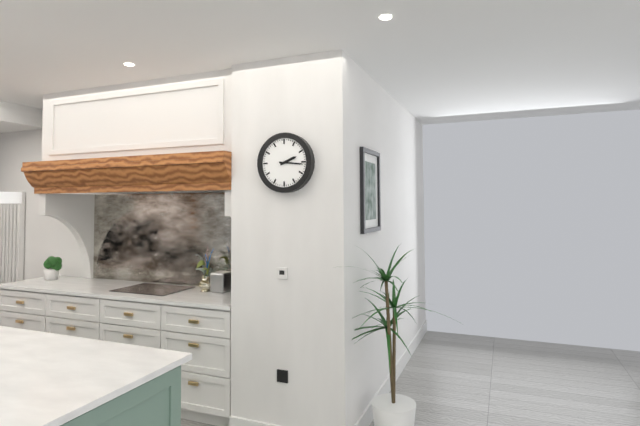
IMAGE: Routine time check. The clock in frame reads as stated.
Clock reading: 2:16
